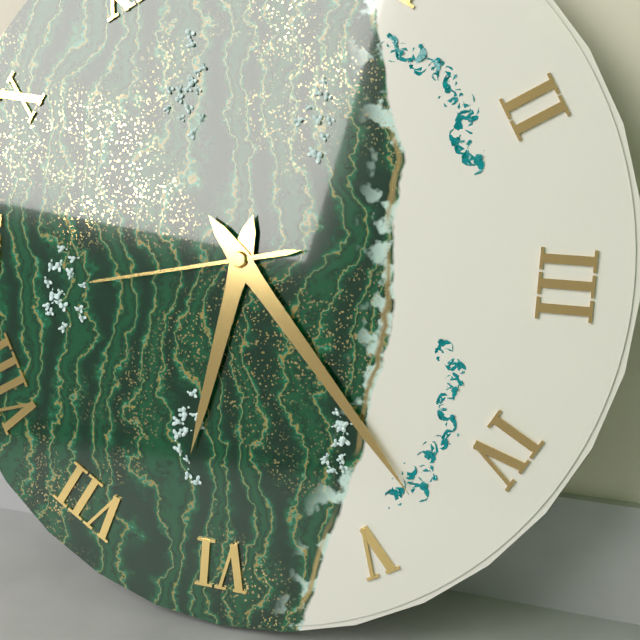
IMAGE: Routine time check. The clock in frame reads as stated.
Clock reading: 6:23:43
